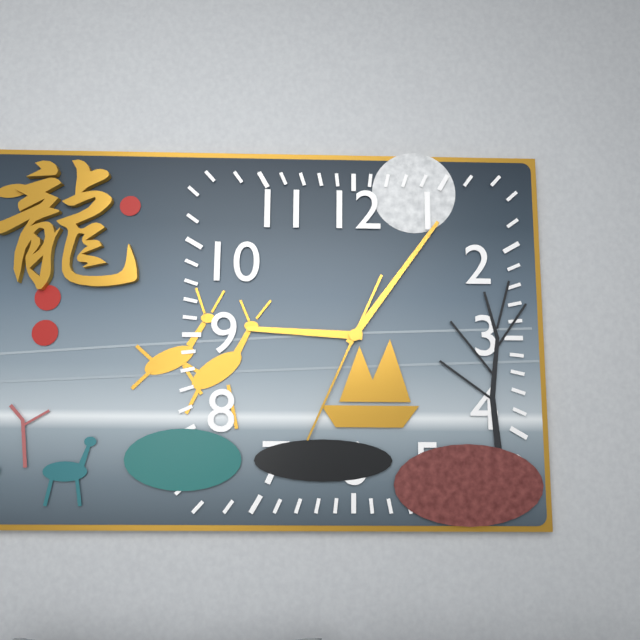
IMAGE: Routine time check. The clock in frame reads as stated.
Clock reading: 9:06:34
